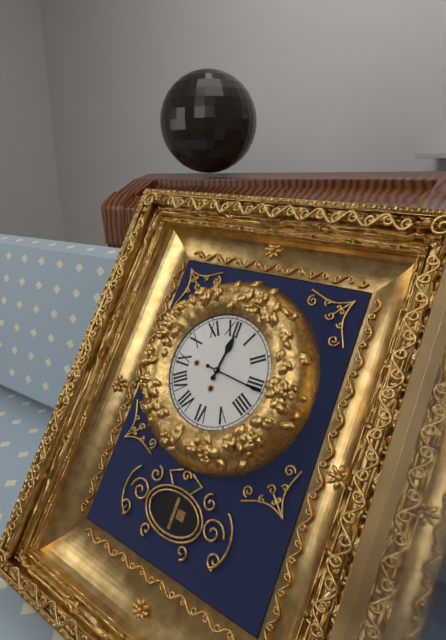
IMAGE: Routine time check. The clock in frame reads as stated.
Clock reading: 12:16
